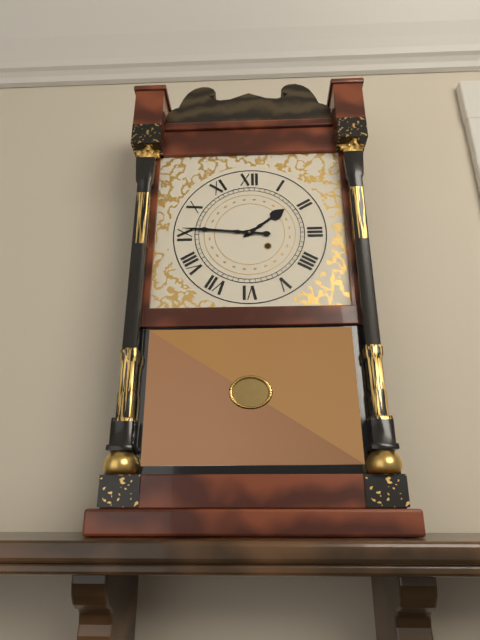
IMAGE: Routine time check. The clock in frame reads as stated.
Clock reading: 1:46
